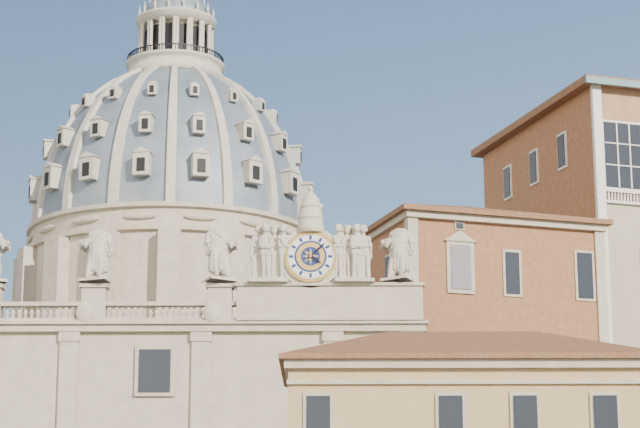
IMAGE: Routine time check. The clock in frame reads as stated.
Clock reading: 4:08
